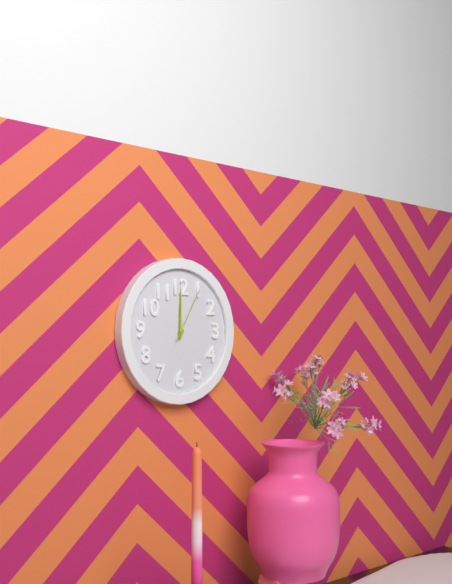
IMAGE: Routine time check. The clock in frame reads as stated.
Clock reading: 12:00:05
